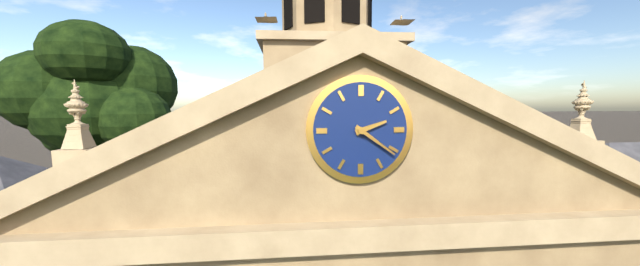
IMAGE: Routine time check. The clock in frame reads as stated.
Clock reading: 2:21
